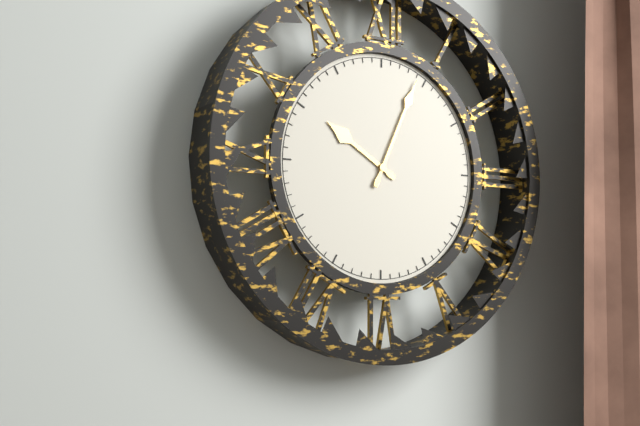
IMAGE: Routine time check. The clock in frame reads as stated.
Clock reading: 10:04
